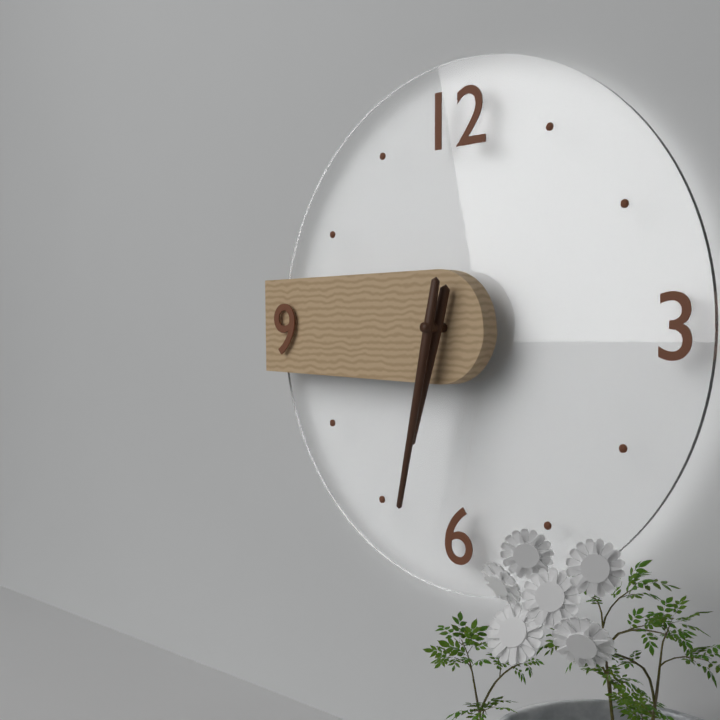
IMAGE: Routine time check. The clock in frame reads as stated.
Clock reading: 6:32
